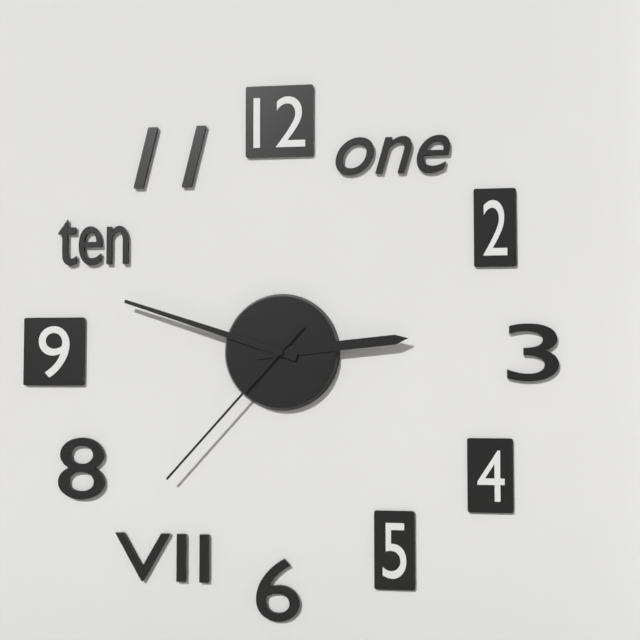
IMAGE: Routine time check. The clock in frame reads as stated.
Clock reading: 2:48:37
